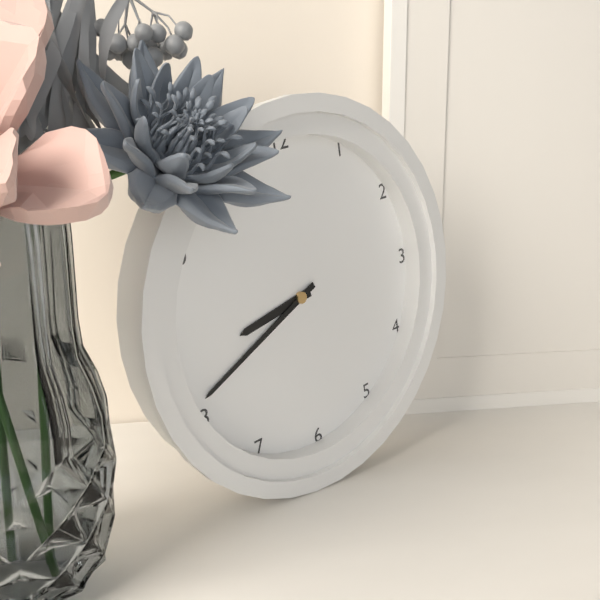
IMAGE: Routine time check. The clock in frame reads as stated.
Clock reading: 8:41
